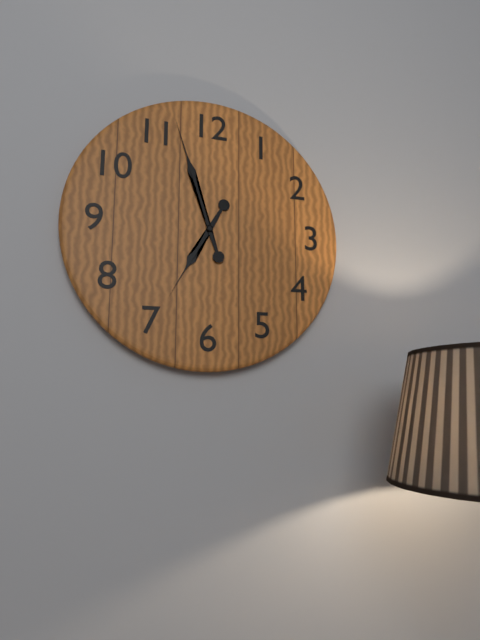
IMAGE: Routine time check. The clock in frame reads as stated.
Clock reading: 6:57
